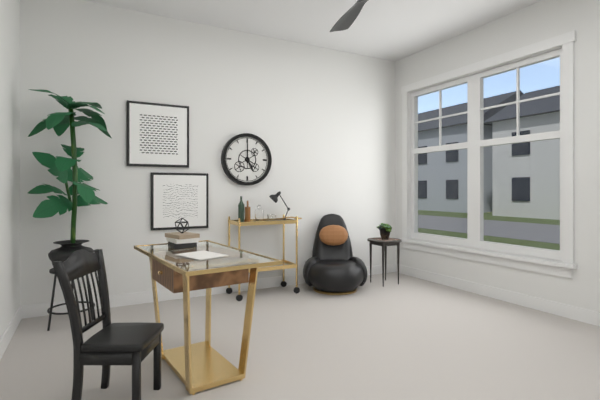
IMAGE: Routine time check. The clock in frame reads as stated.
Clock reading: 5:00
